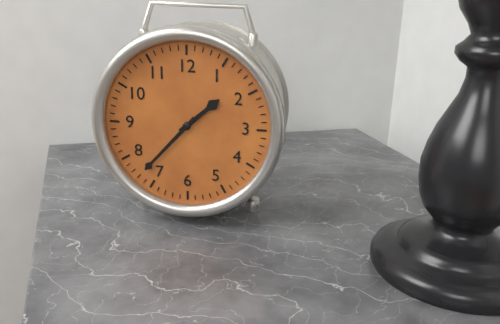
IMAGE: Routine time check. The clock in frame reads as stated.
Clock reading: 1:37
